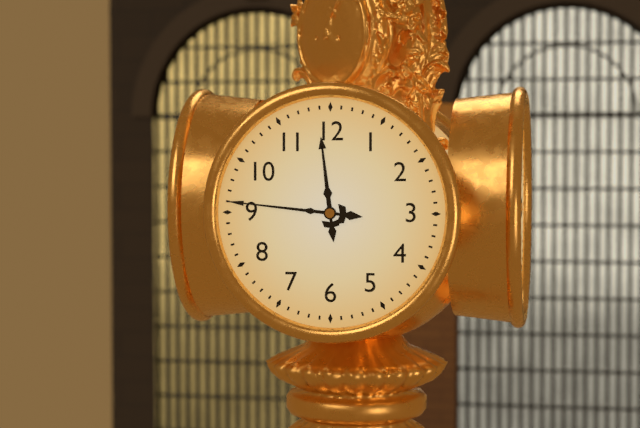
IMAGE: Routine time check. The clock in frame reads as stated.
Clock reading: 11:46
